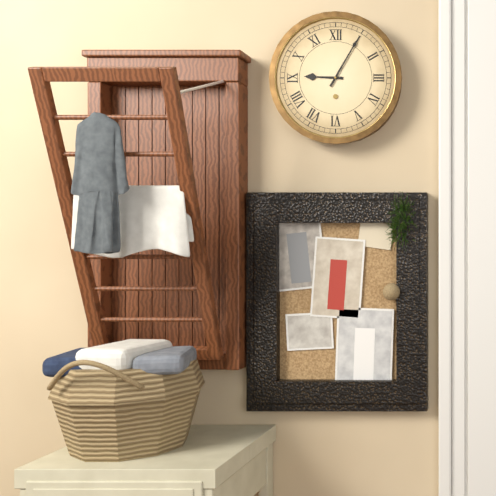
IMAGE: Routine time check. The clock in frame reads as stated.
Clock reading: 9:05
